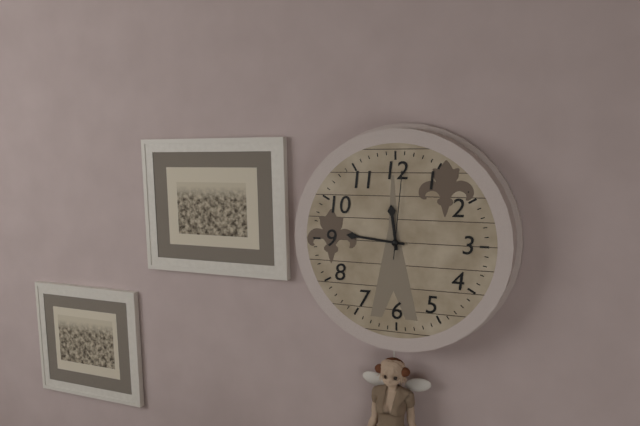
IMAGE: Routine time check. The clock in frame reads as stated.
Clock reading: 11:46:01
